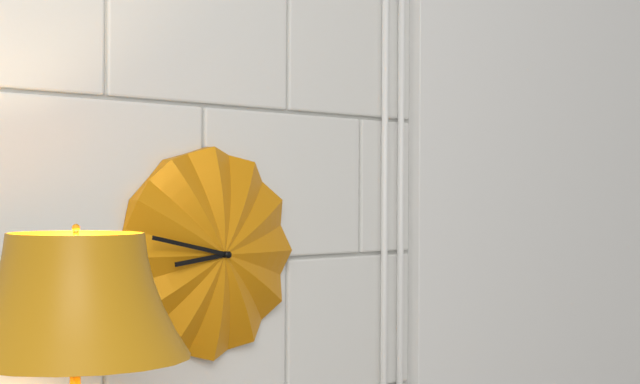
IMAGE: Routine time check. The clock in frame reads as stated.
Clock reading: 8:47
